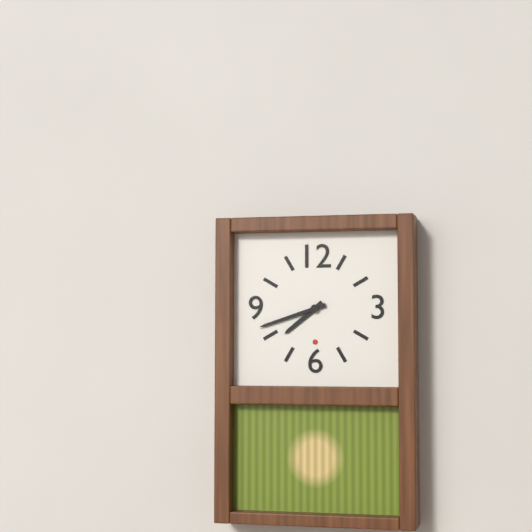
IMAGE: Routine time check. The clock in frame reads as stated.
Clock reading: 7:42
